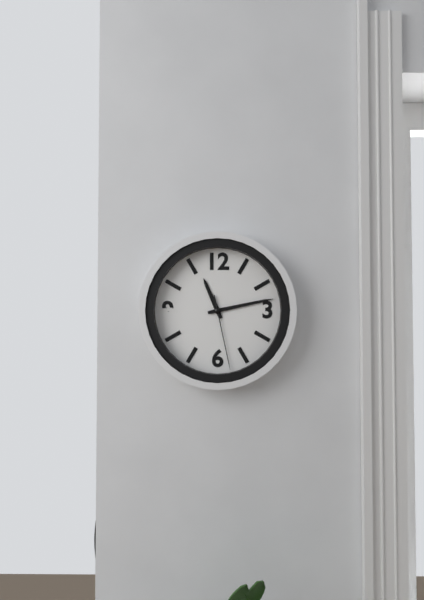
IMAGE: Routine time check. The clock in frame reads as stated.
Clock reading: 11:13:28
